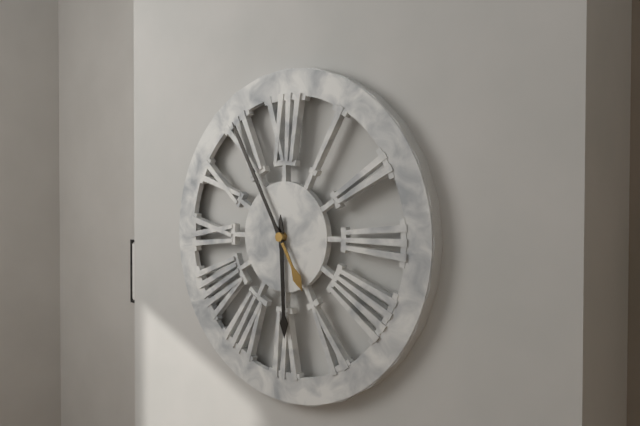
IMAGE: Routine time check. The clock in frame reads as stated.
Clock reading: 5:55
